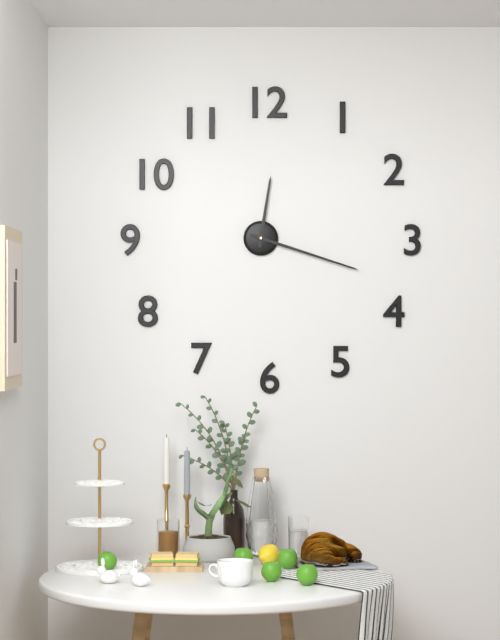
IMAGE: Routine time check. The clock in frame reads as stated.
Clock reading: 12:18
